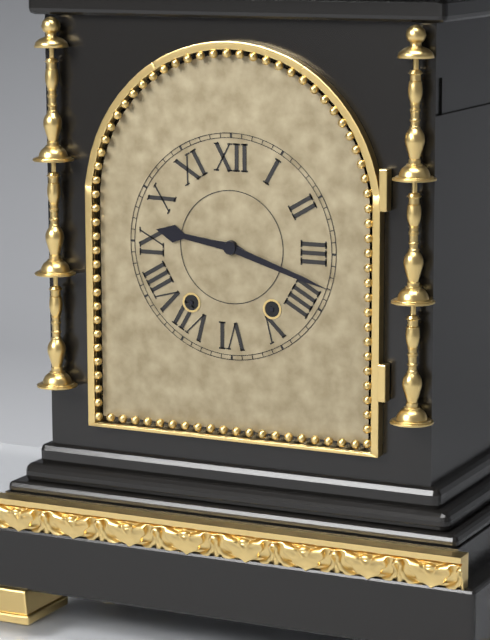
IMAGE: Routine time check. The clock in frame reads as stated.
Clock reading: 9:18
